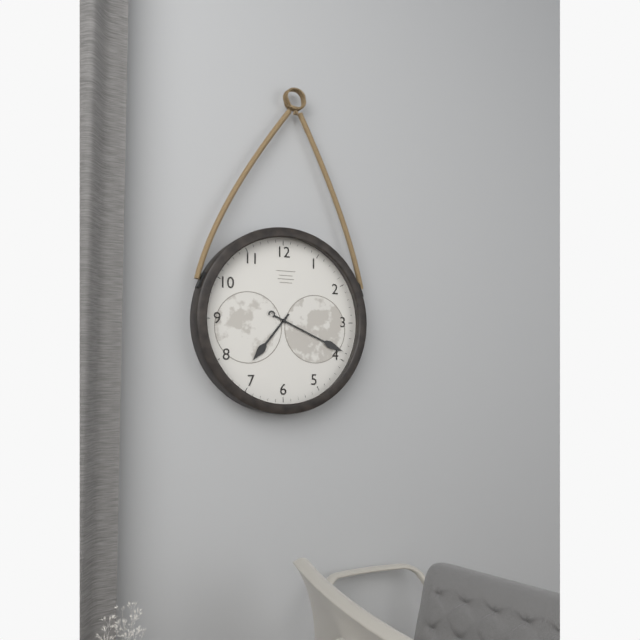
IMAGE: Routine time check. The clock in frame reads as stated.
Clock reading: 7:19
